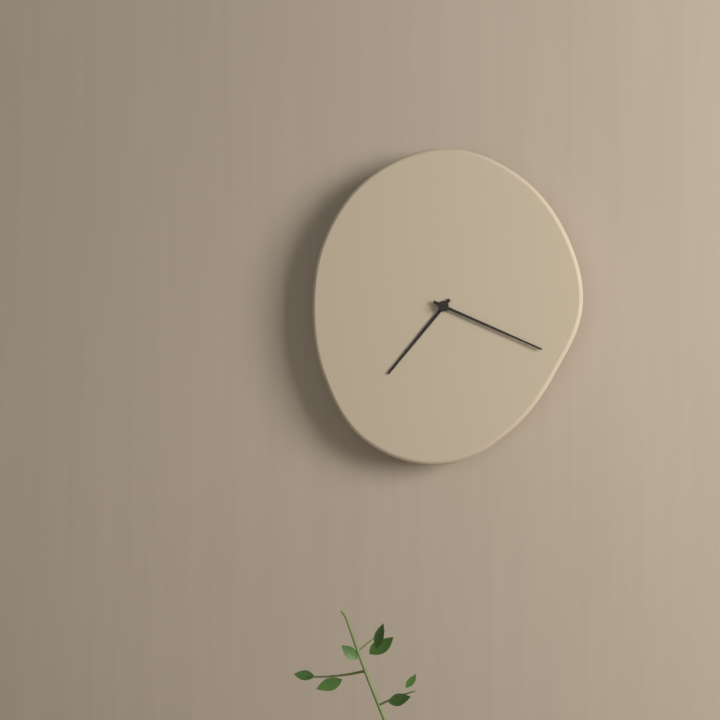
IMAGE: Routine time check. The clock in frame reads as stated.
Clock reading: 7:19
